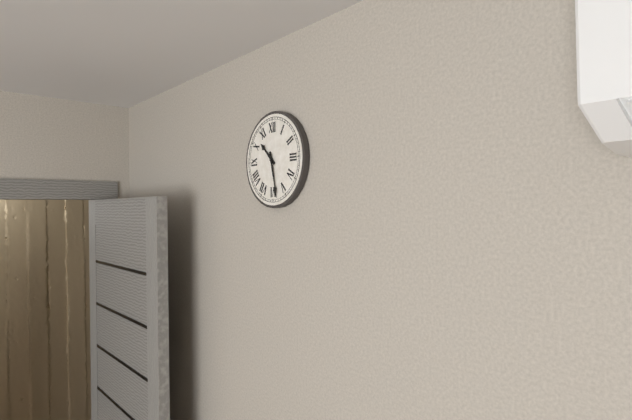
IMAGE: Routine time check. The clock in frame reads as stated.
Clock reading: 10:28
